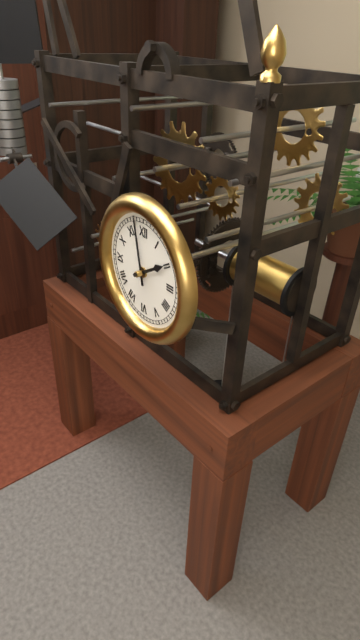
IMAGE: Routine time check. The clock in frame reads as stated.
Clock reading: 1:58
